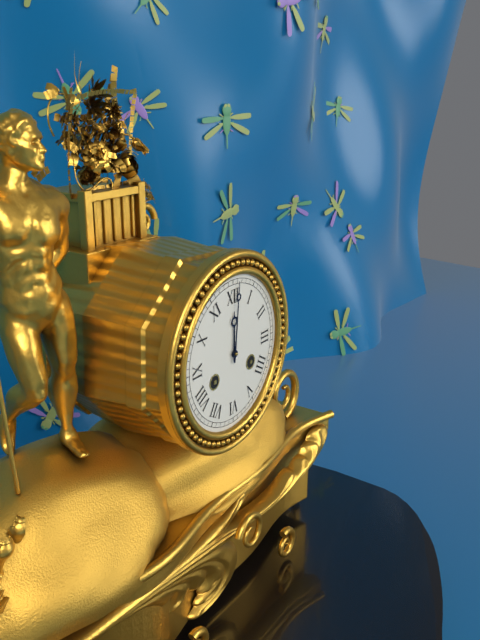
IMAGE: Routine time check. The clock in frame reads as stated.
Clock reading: 12:01
